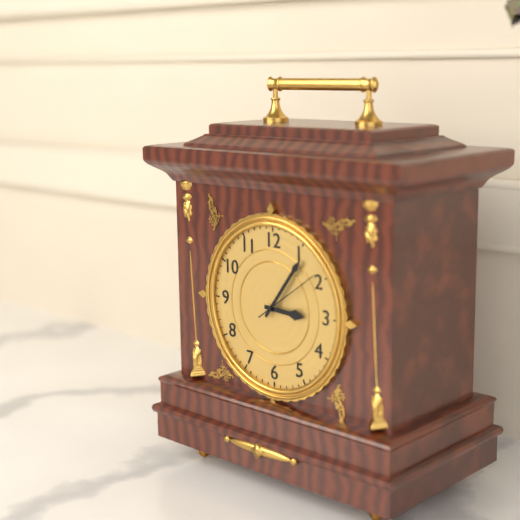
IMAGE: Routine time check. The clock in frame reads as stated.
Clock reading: 3:06
